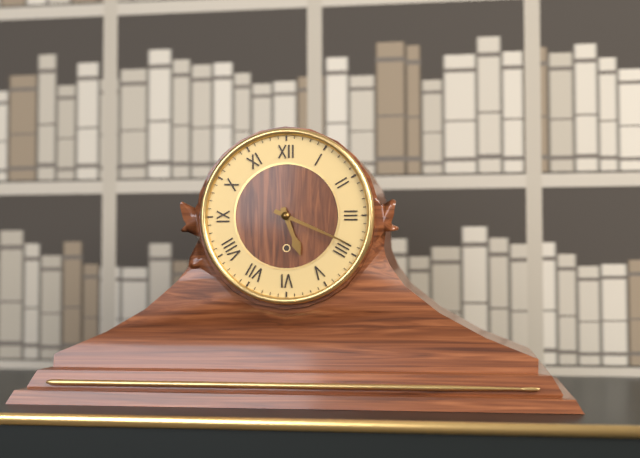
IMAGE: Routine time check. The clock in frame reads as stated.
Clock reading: 5:19
